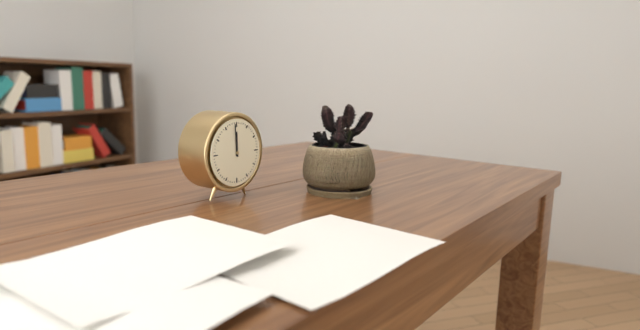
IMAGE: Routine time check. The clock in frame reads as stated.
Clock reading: 11:59
